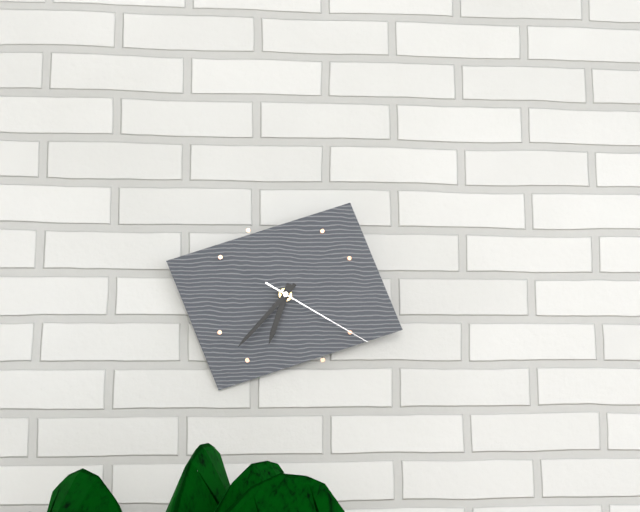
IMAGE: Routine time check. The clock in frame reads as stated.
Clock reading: 6:37:20
